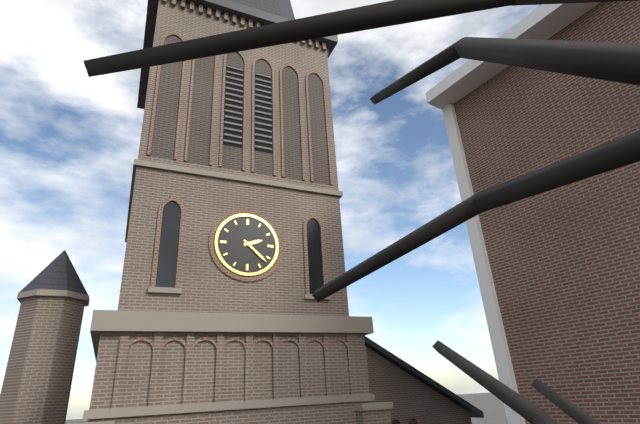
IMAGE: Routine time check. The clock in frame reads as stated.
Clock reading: 2:22
